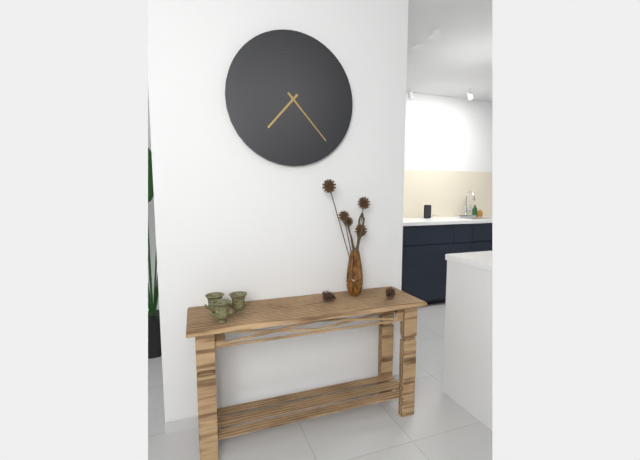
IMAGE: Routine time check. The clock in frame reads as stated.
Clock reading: 7:23
